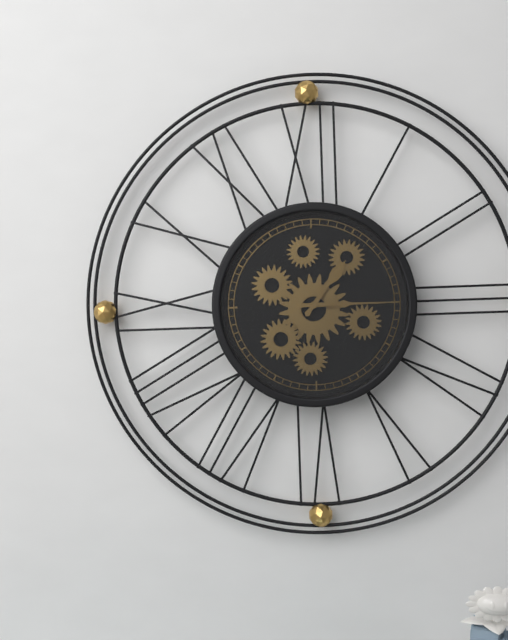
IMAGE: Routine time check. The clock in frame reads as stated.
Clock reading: 1:15
